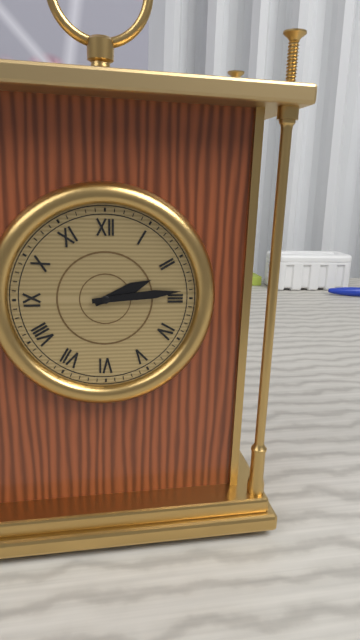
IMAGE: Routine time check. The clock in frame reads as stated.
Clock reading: 2:14
